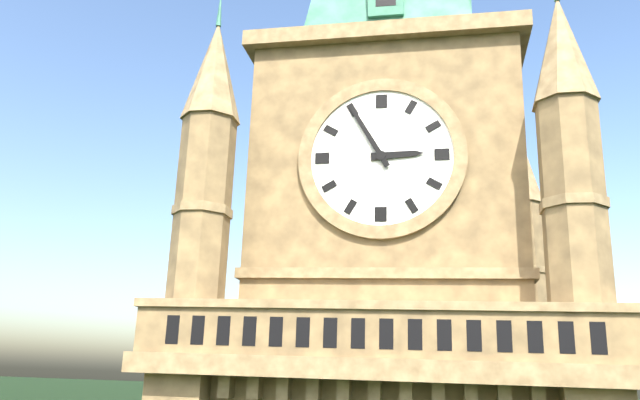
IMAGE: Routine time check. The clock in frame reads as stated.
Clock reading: 2:55
